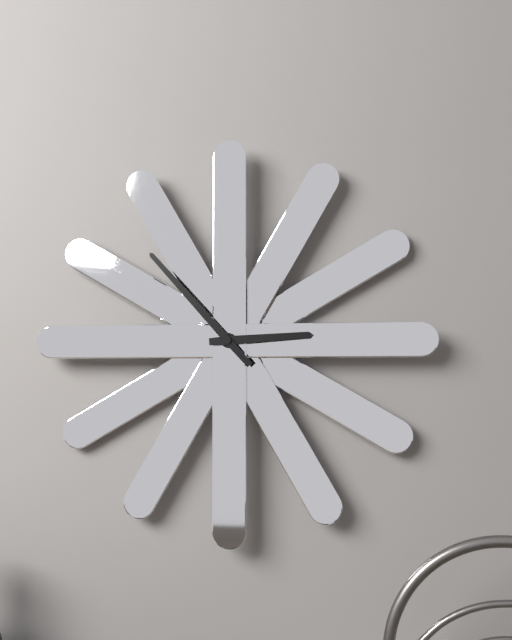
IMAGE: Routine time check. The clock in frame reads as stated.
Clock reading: 2:53
